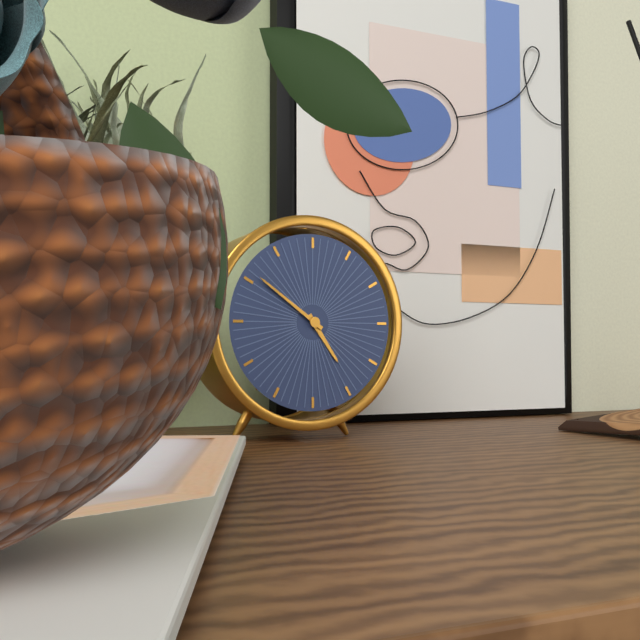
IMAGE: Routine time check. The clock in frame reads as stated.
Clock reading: 4:51
